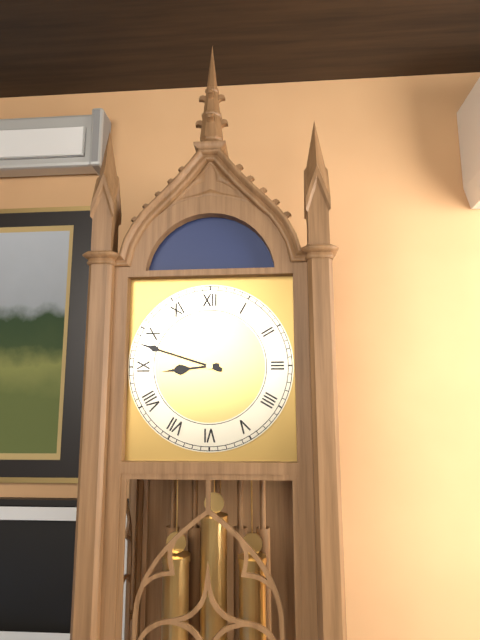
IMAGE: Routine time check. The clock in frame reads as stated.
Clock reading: 8:48
